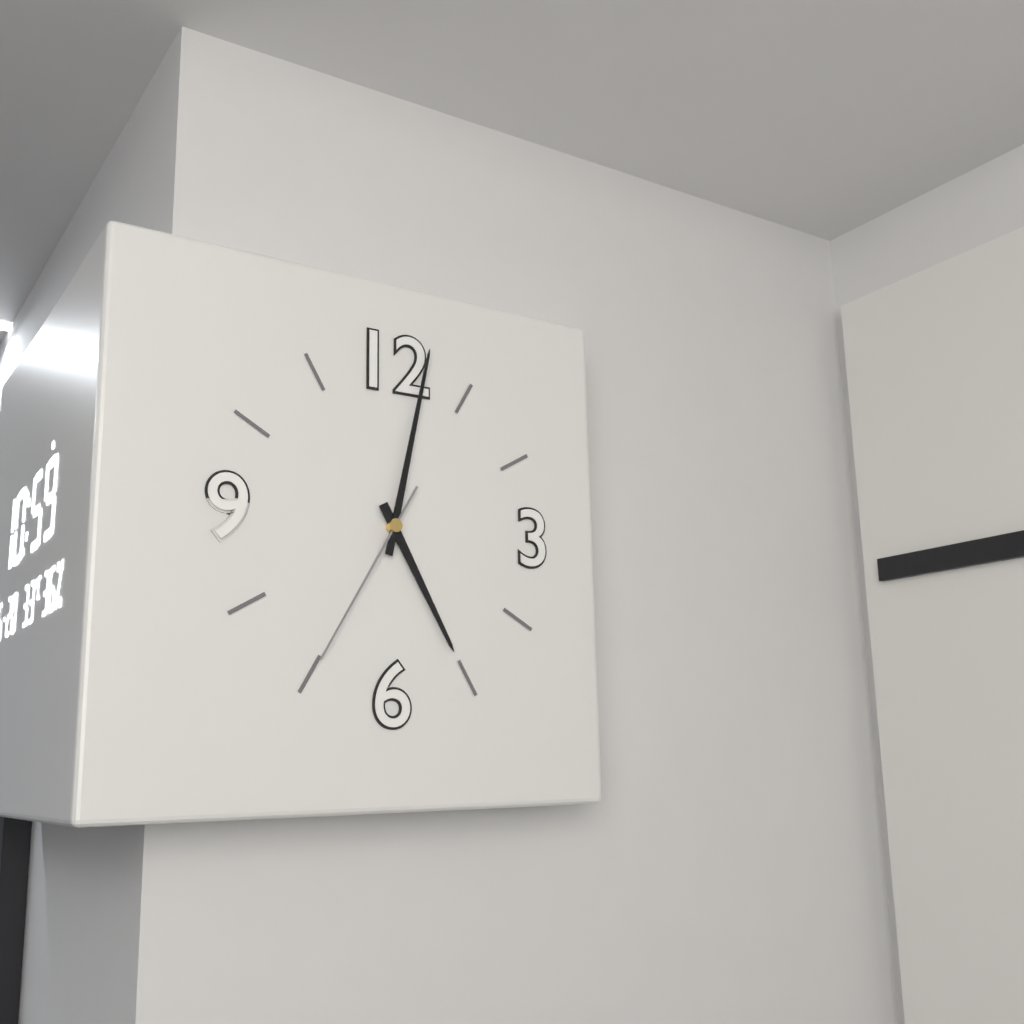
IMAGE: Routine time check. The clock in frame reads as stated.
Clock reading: 5:02:35
